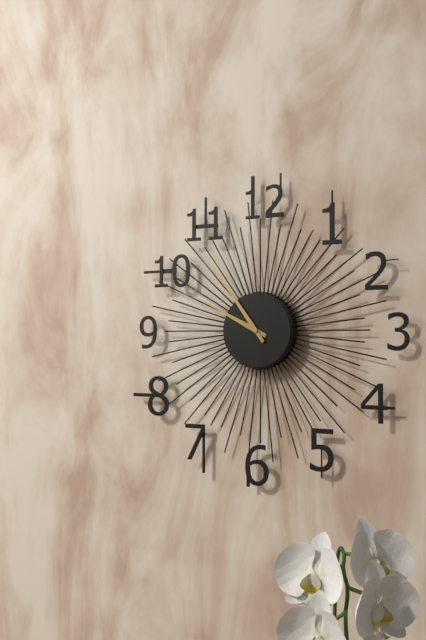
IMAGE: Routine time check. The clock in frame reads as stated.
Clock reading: 9:54
